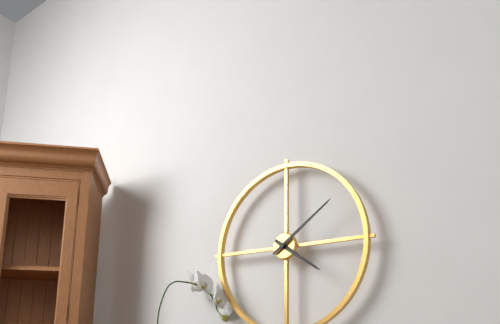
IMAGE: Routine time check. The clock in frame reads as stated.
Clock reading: 4:09
